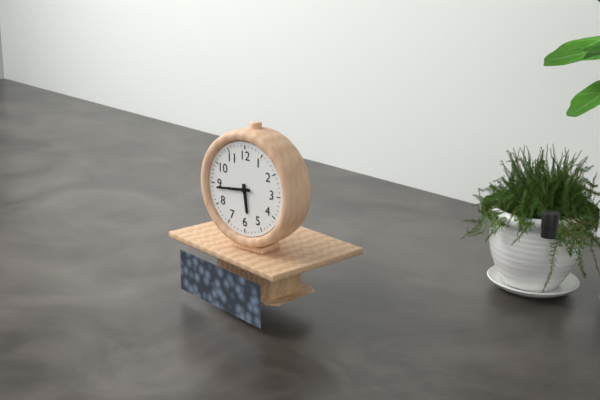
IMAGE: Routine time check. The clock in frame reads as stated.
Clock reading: 5:44
